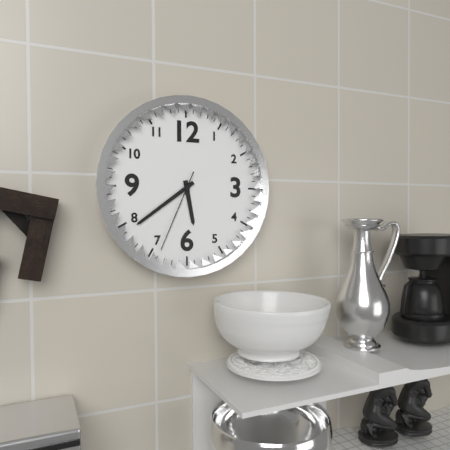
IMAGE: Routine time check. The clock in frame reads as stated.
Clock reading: 5:39:34
